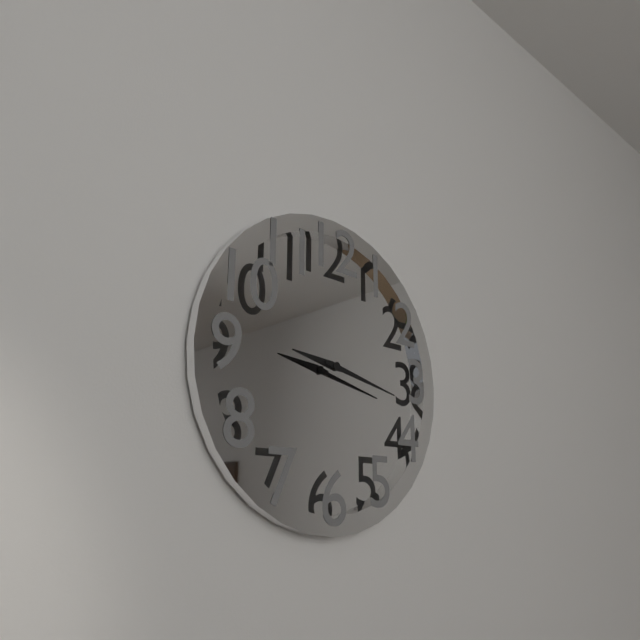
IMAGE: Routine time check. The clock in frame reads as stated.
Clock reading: 9:17
